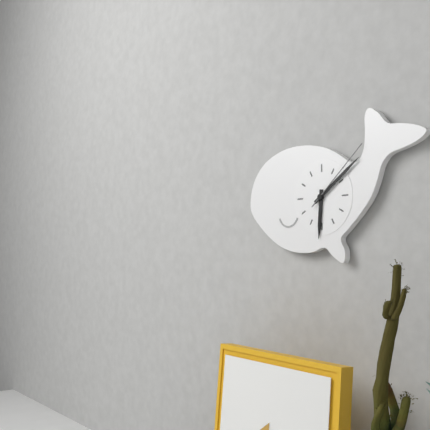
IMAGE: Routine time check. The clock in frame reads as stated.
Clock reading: 6:09:08
